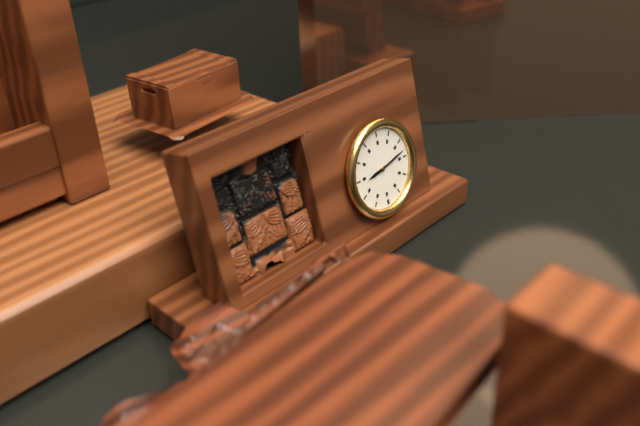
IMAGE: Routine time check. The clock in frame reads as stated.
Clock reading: 2:43
